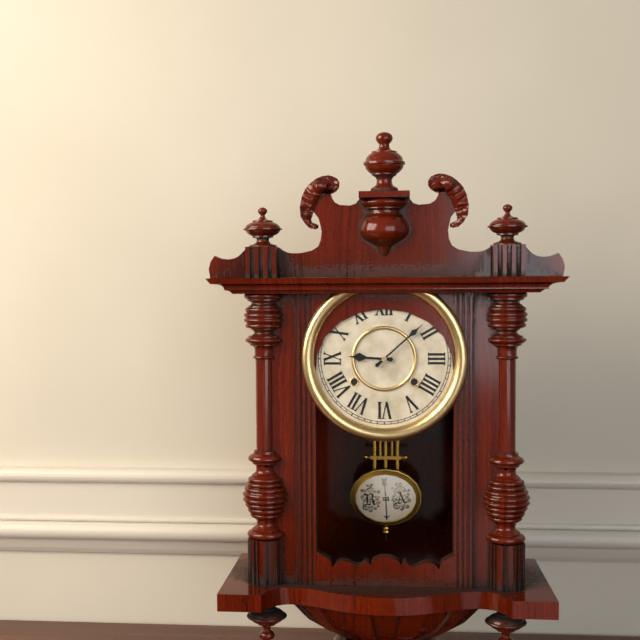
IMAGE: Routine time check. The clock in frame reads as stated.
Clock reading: 9:08
